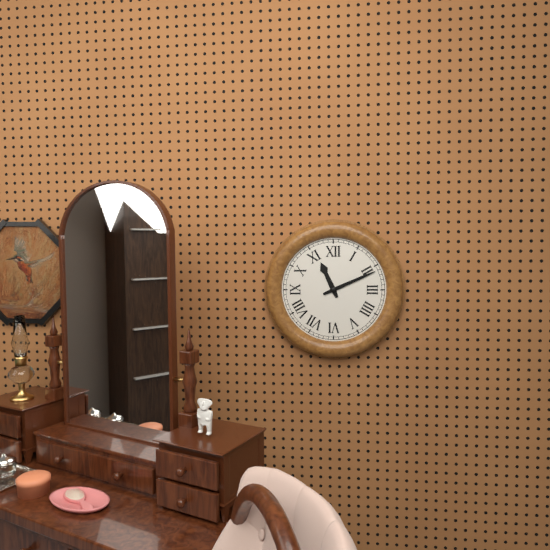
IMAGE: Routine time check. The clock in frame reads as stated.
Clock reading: 11:11
